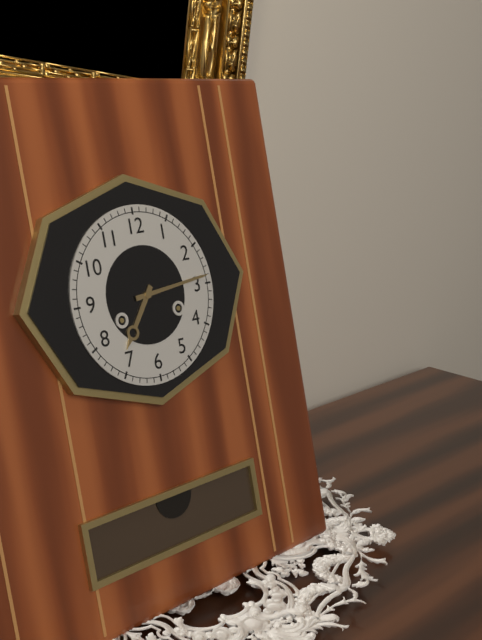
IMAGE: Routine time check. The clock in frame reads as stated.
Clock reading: 7:14
